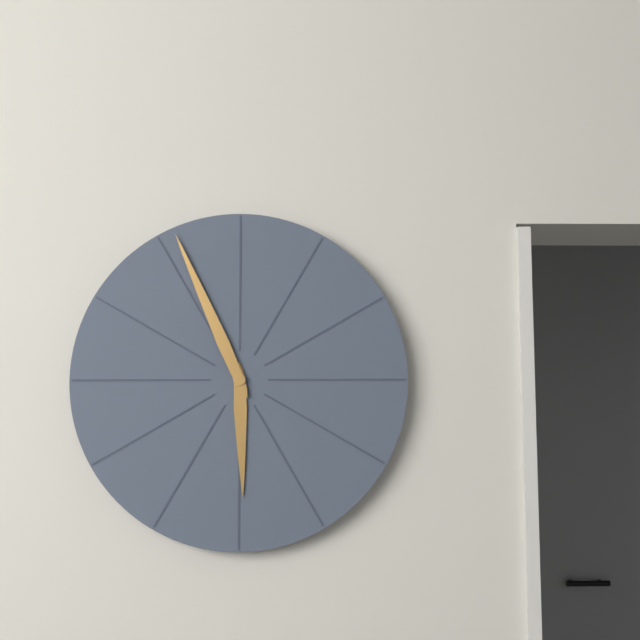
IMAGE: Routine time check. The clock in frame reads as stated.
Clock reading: 5:56
